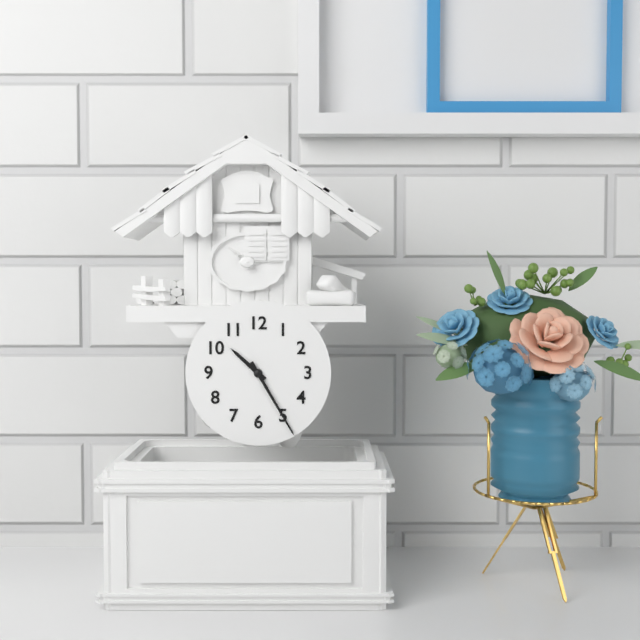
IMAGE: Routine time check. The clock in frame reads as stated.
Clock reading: 10:25
